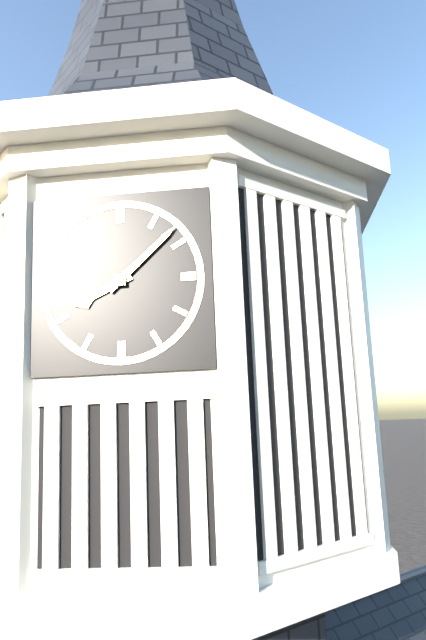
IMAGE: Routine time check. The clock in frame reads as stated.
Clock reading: 8:08
